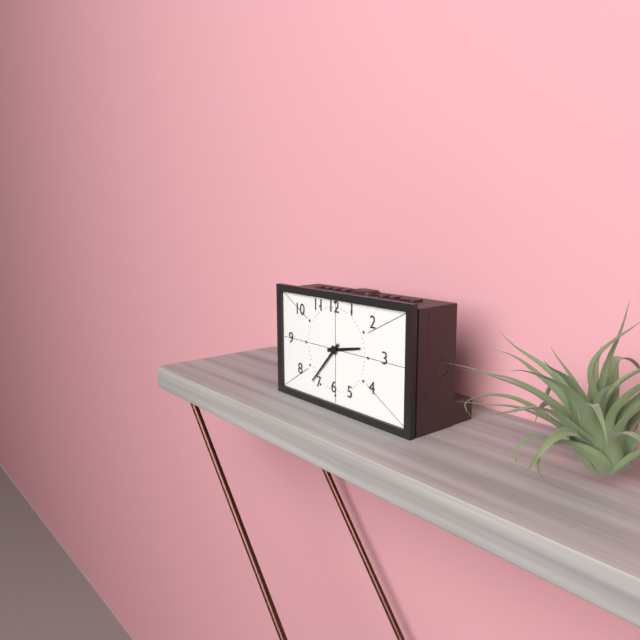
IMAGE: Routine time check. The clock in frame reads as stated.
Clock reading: 2:37
